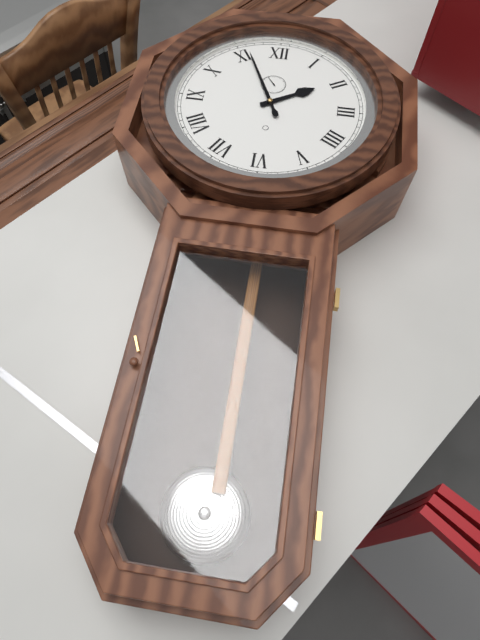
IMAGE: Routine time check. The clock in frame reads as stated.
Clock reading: 1:56
